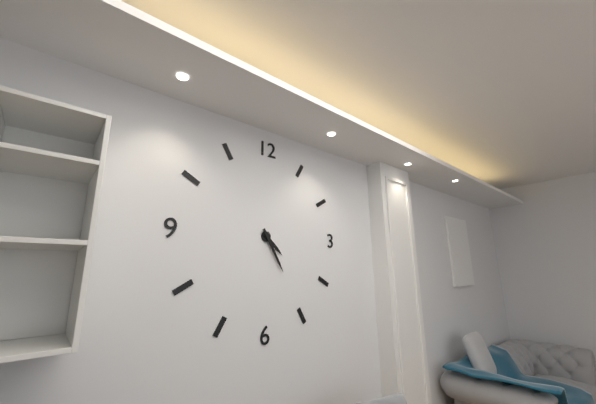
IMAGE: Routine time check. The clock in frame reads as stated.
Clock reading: 4:25
